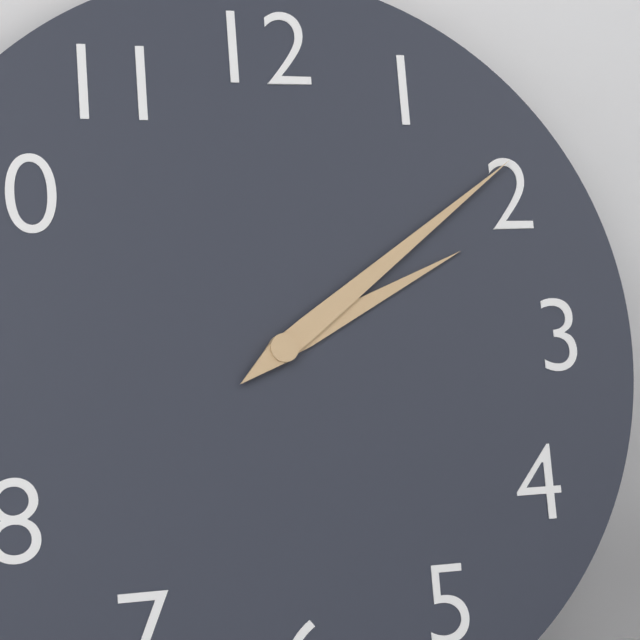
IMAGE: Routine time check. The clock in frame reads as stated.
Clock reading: 2:09
